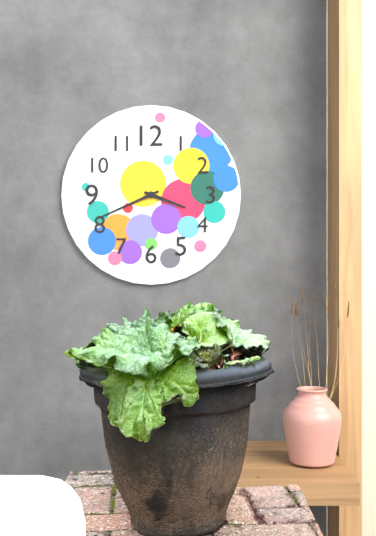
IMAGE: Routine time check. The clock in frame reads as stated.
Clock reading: 3:41
